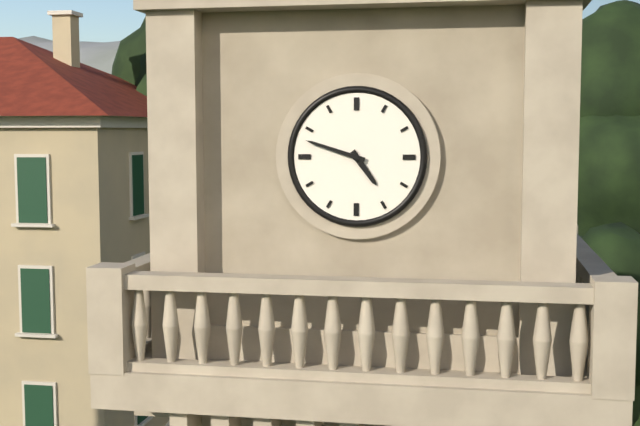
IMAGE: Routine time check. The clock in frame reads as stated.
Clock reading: 4:48
